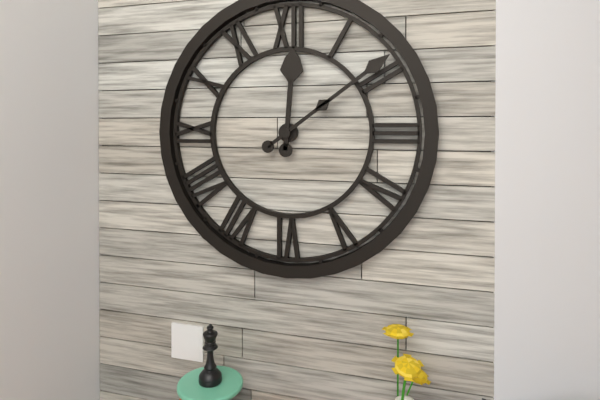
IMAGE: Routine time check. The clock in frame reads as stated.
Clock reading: 12:09
